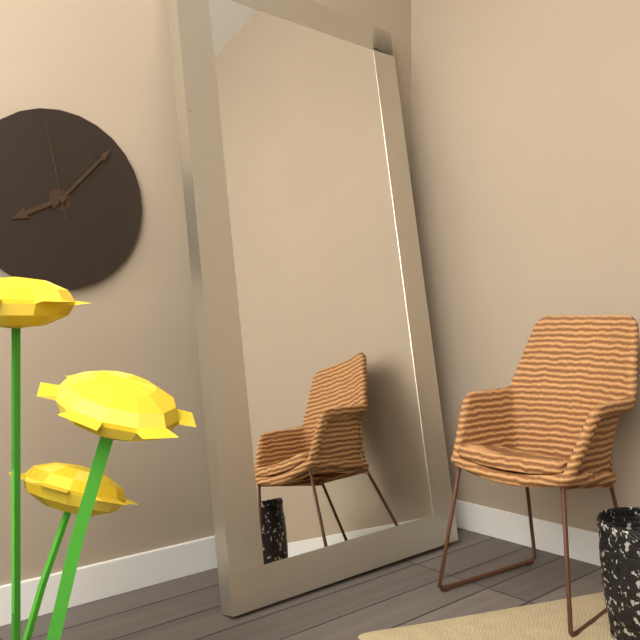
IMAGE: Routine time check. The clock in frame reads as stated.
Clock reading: 8:07:58
